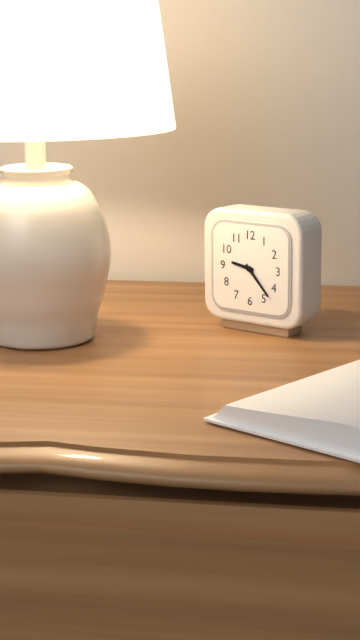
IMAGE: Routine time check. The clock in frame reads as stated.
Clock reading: 9:23
